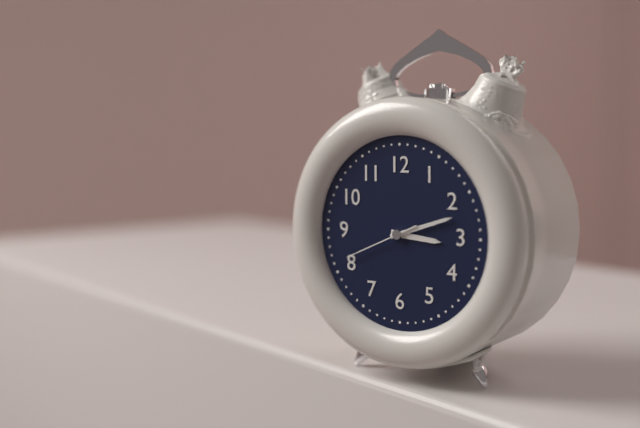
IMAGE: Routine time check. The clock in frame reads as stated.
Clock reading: 3:12:41
